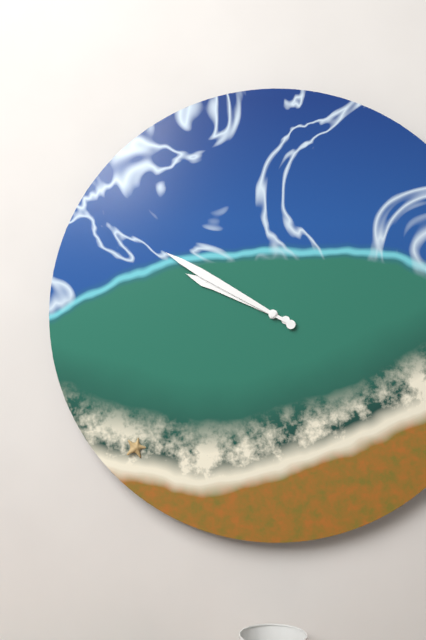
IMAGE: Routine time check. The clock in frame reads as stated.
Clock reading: 9:50
